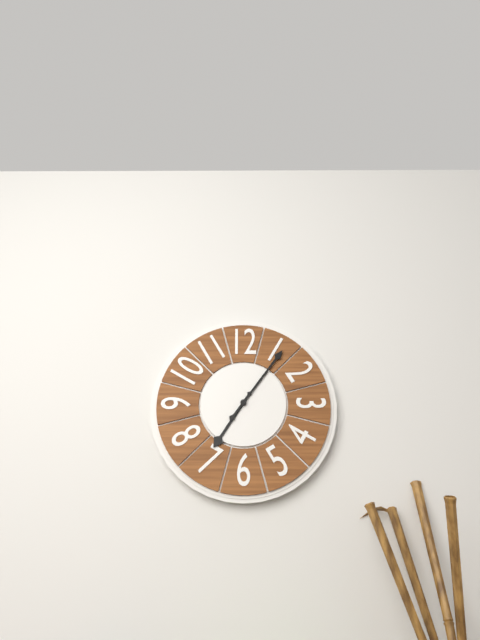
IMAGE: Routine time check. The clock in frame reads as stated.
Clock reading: 7:06
